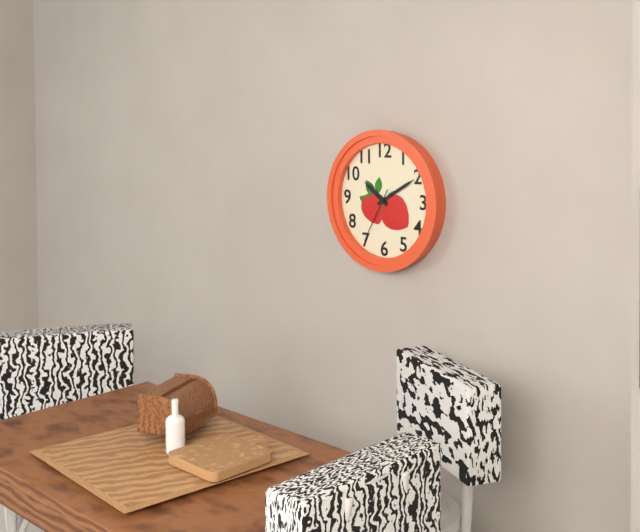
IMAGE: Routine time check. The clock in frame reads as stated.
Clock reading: 10:10:35
